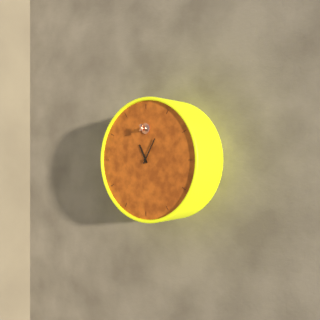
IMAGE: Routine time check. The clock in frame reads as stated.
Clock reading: 11:05
